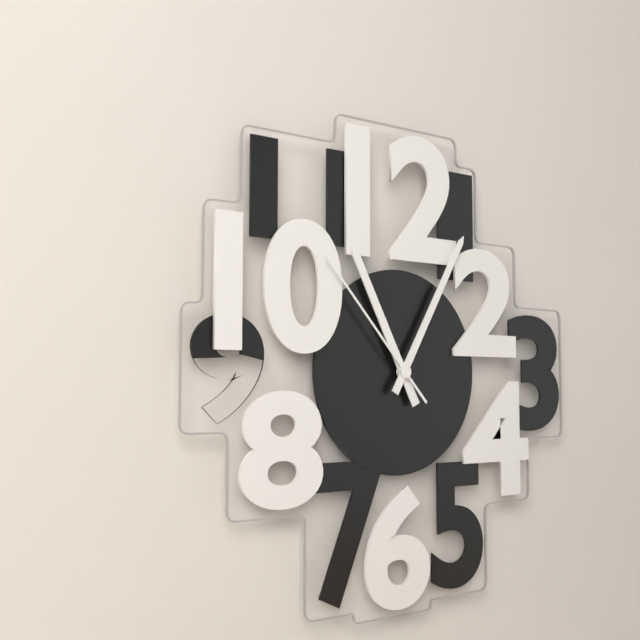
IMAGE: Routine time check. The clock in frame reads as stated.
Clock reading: 11:05:53
